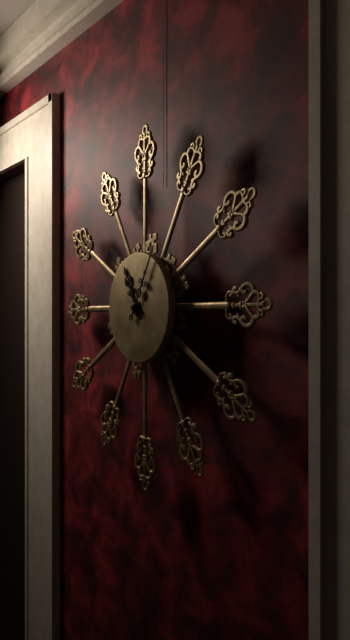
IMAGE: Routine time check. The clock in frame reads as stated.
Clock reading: 11:05
